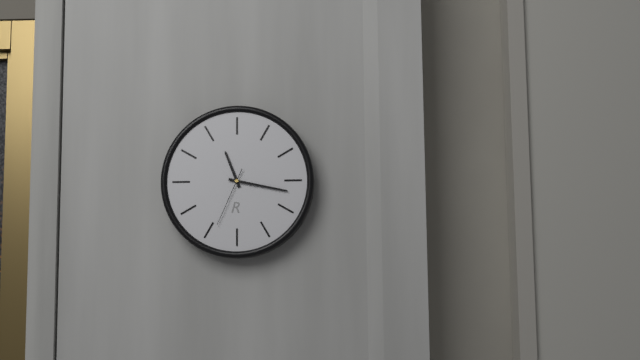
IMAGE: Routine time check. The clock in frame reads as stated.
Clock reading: 11:17:34
